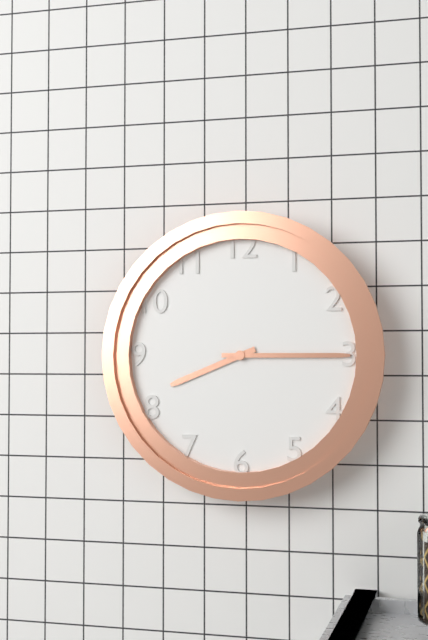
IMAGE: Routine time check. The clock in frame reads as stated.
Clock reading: 8:15
